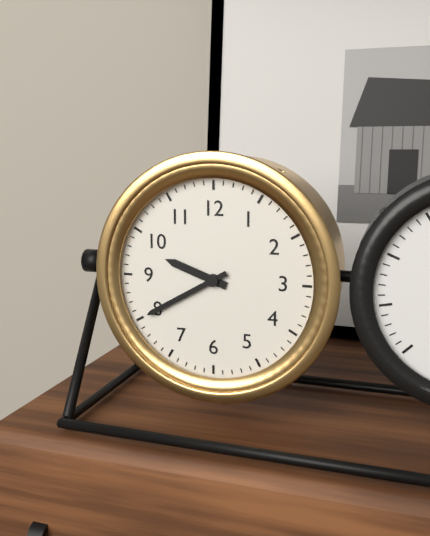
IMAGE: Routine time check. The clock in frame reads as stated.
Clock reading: 9:40
